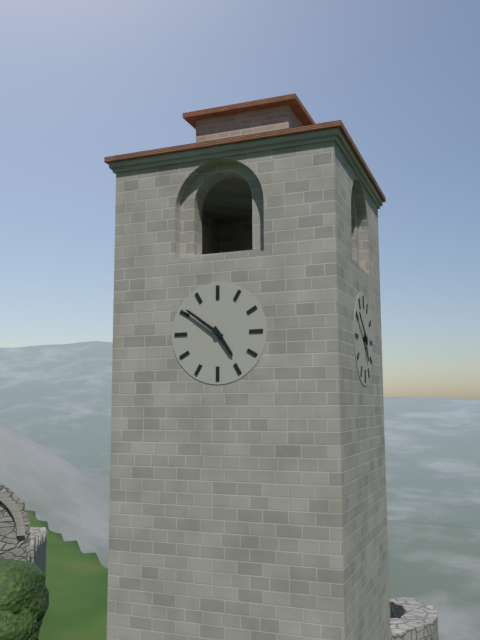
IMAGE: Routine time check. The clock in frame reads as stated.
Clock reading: 4:51
